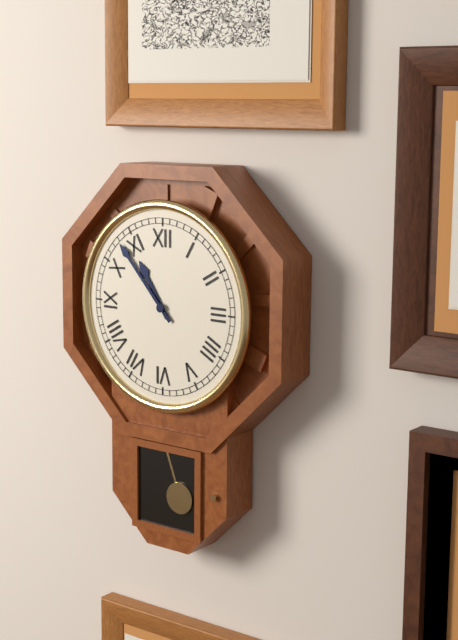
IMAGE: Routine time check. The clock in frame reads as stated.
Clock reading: 10:53
